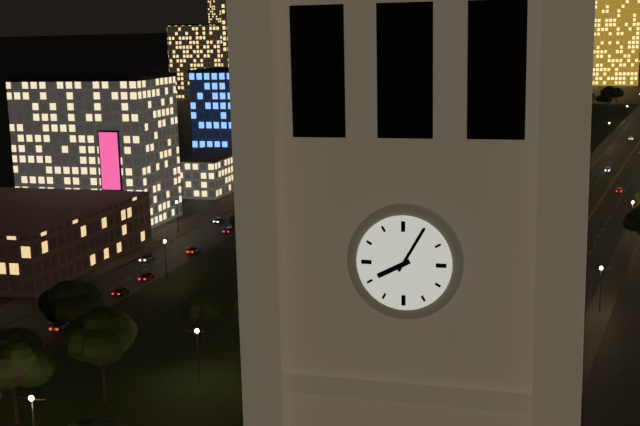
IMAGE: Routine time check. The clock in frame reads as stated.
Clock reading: 8:05
